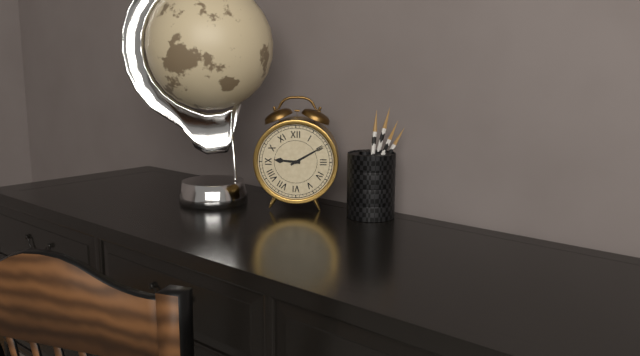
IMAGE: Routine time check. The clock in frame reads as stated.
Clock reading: 9:10
